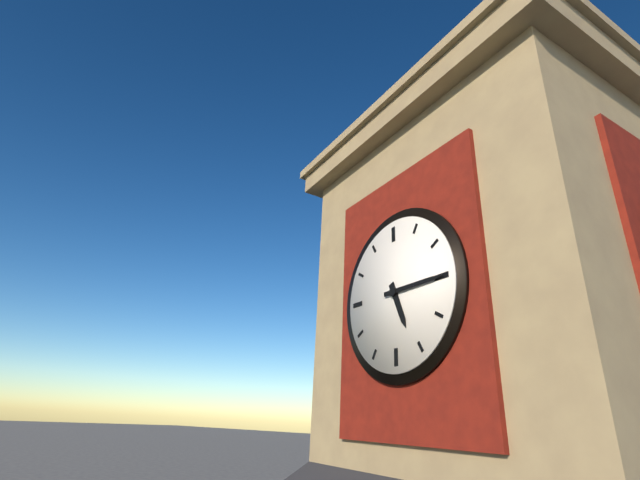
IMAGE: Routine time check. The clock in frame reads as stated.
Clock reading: 5:15
